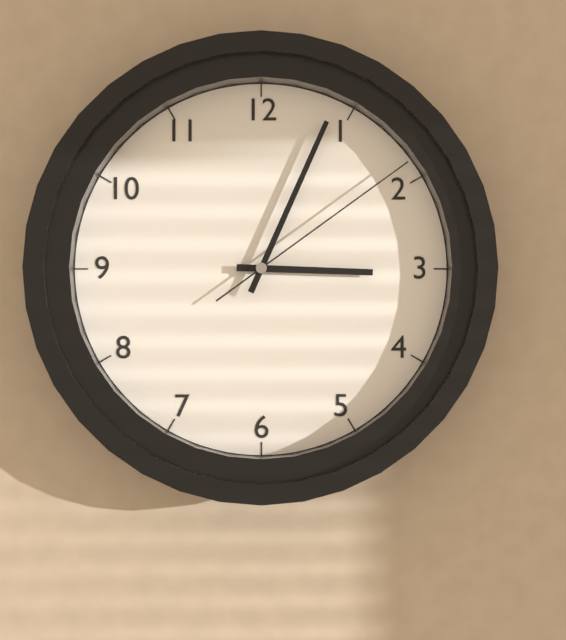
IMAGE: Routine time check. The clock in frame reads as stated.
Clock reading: 3:04:09
